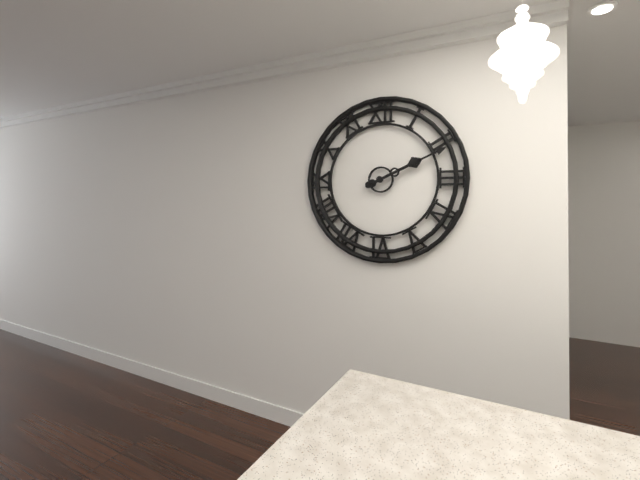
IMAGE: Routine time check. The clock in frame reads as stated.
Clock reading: 2:11
